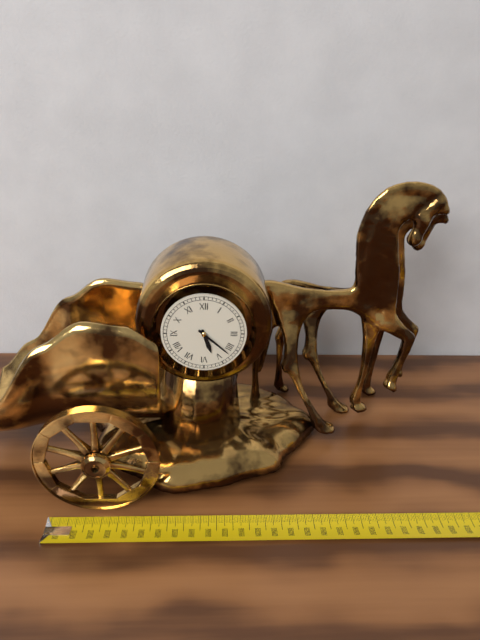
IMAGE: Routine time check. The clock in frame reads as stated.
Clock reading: 5:22
